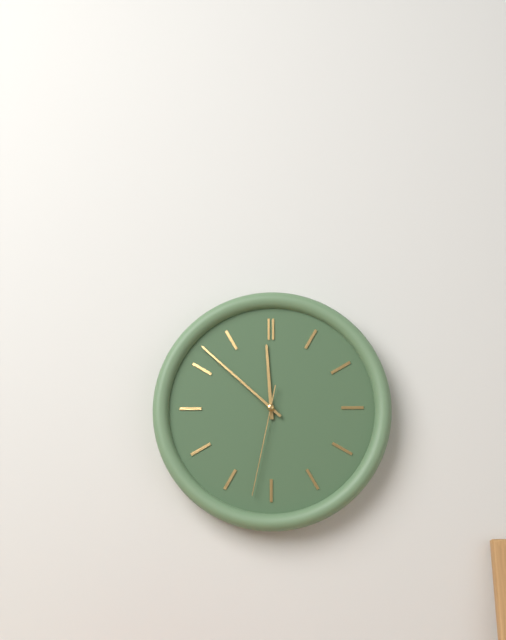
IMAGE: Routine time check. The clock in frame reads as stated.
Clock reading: 11:52:32
